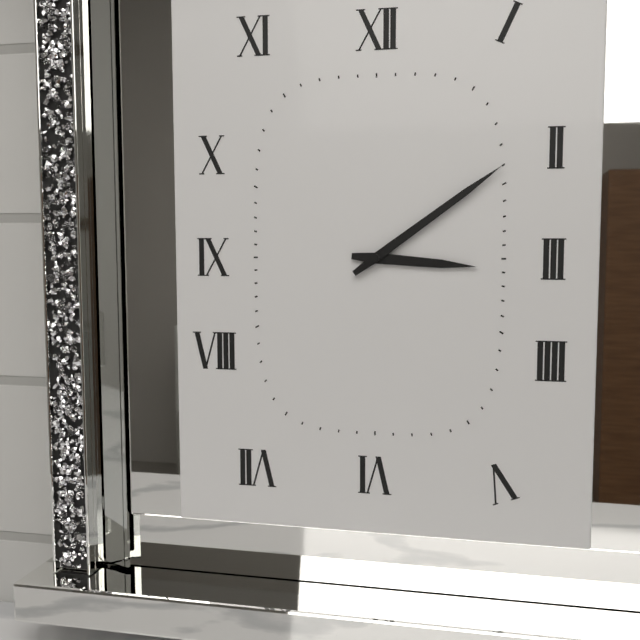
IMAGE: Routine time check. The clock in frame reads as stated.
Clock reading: 3:09
